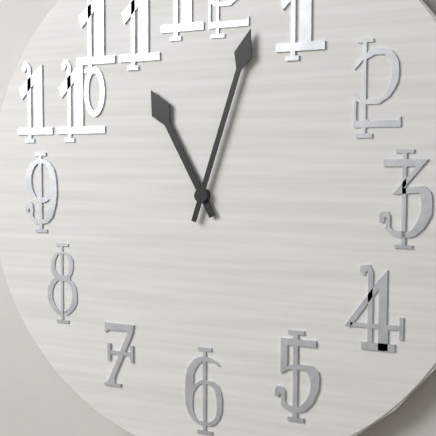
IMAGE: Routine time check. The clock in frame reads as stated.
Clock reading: 11:03
